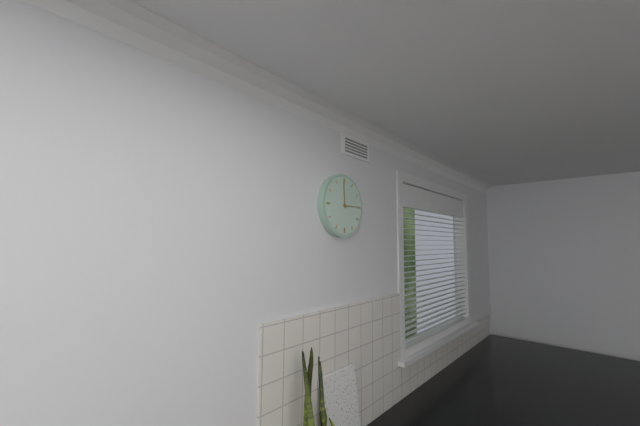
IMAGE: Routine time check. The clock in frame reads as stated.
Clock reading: 2:59
